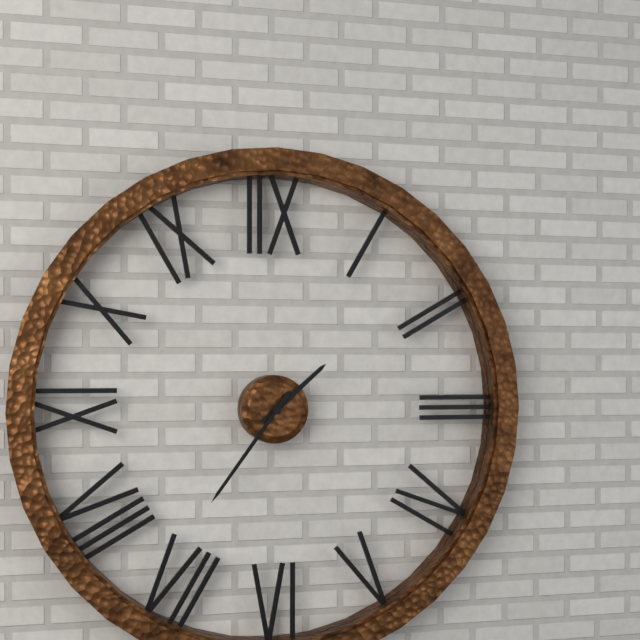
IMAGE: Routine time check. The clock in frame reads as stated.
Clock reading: 1:36
